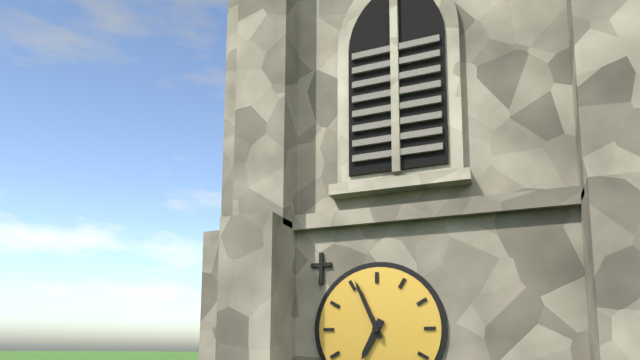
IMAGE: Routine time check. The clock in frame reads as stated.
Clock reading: 6:56
